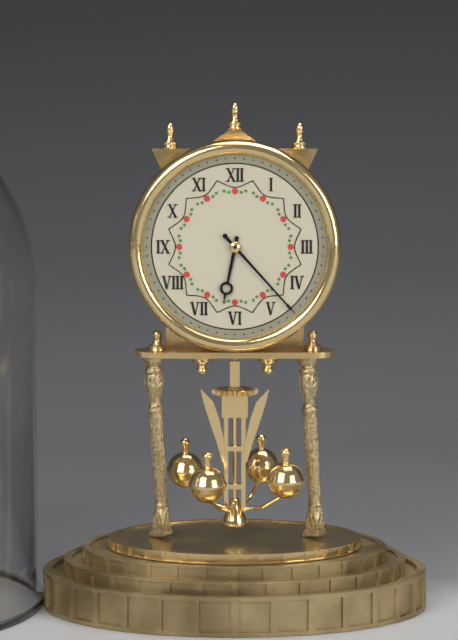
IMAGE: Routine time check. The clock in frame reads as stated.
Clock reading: 6:23
